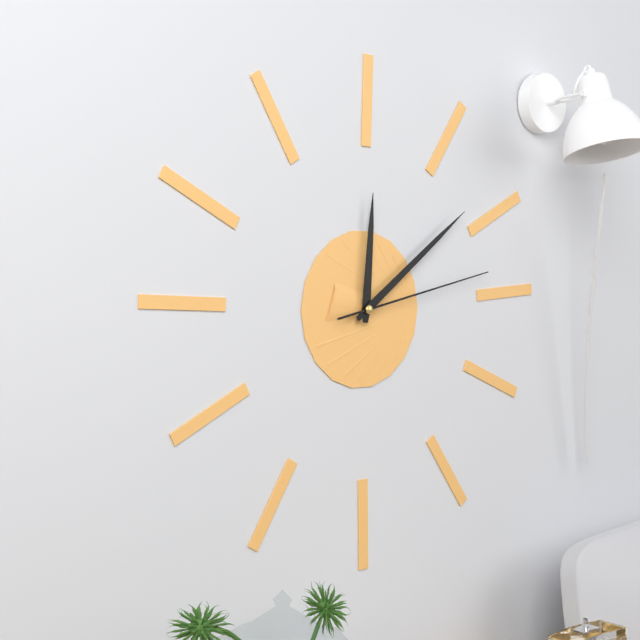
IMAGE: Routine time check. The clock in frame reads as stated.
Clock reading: 12:09:13
